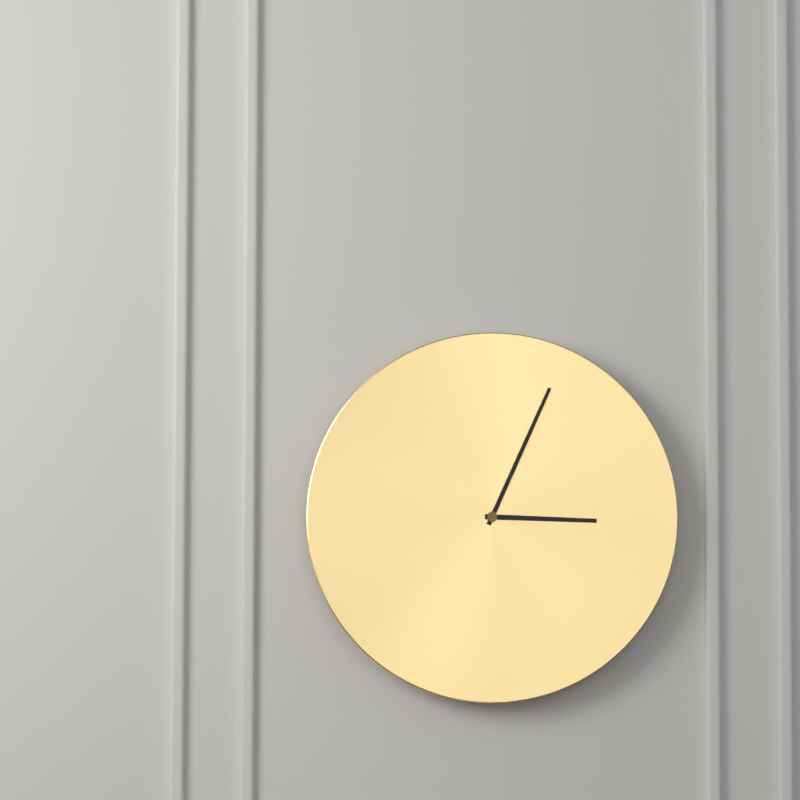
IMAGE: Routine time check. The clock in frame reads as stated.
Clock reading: 3:04
